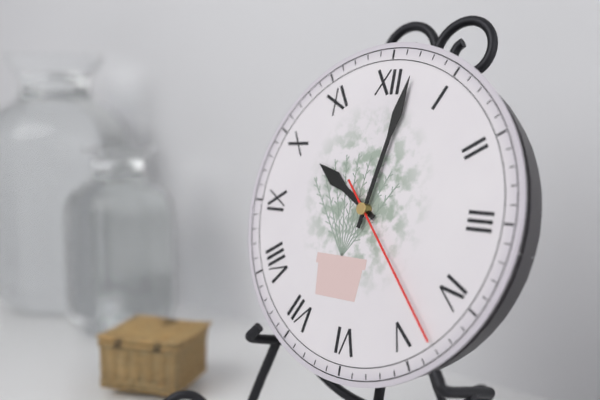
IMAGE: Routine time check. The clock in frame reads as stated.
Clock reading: 10:02:23
